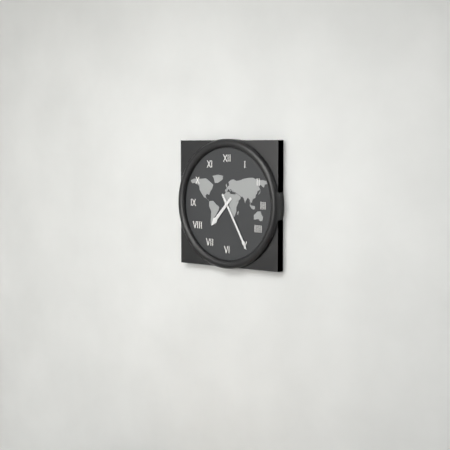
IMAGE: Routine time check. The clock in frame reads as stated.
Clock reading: 7:25
